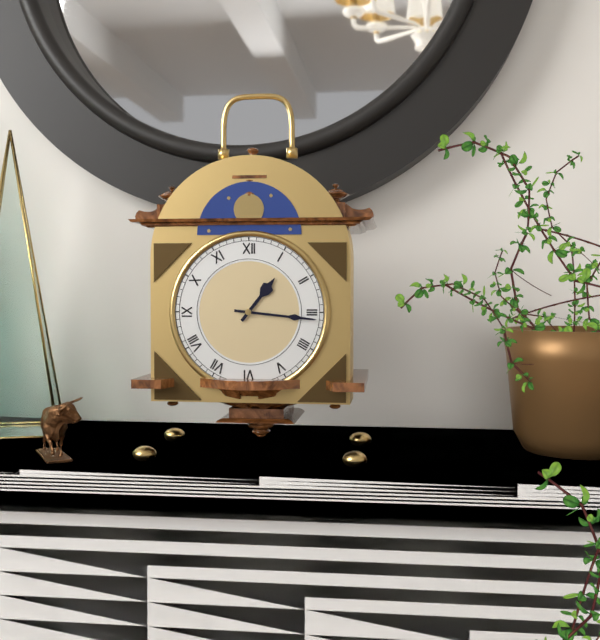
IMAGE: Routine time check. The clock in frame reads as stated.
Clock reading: 1:16
